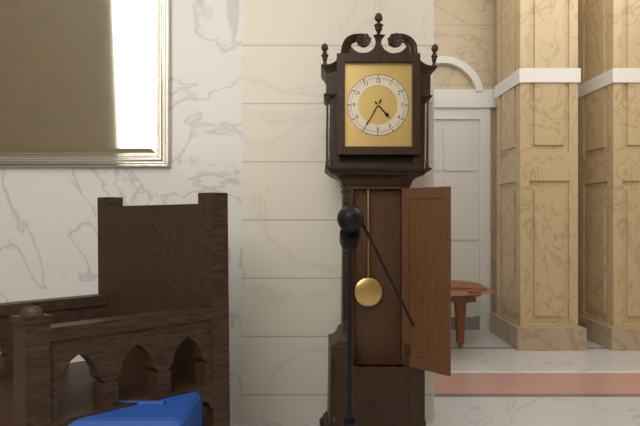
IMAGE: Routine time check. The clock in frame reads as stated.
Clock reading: 4:35
